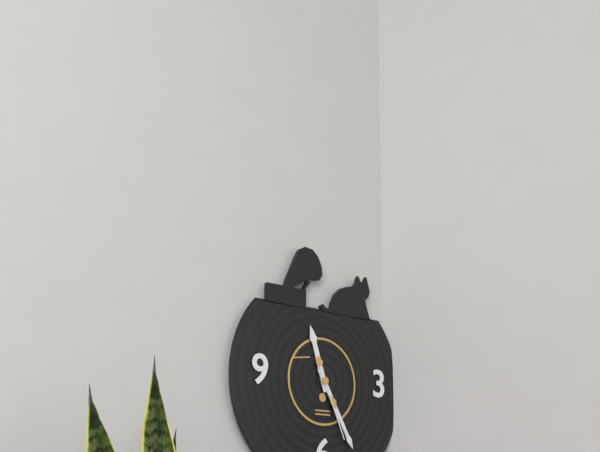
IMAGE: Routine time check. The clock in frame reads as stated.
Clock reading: 11:25:26
